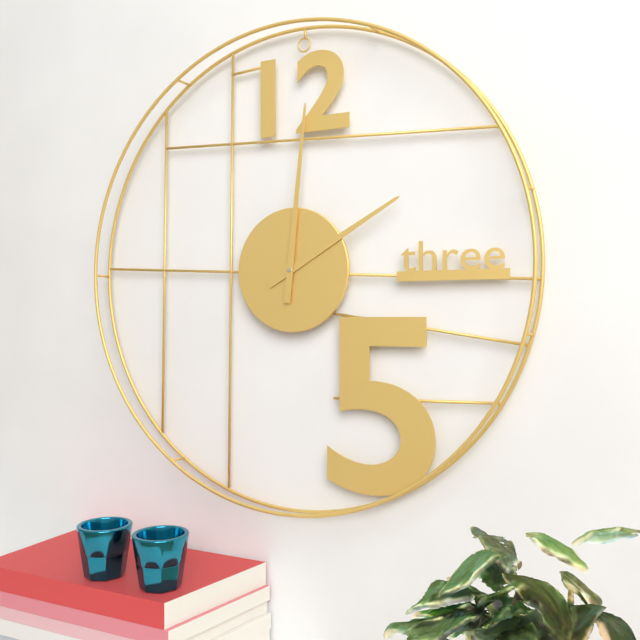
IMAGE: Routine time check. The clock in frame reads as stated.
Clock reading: 2:01
